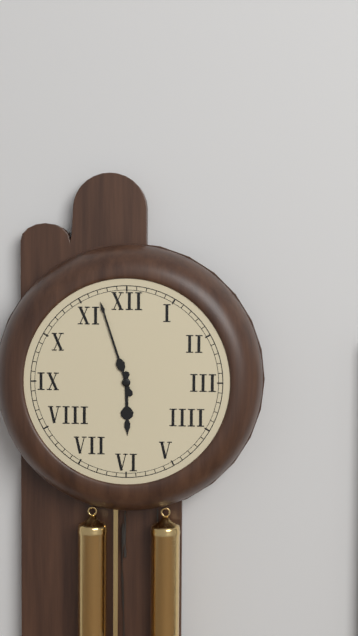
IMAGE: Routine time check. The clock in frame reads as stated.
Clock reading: 5:57
